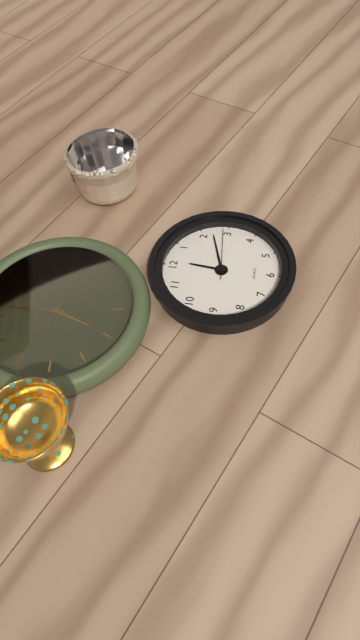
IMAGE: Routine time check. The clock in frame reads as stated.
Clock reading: 12:12:14
